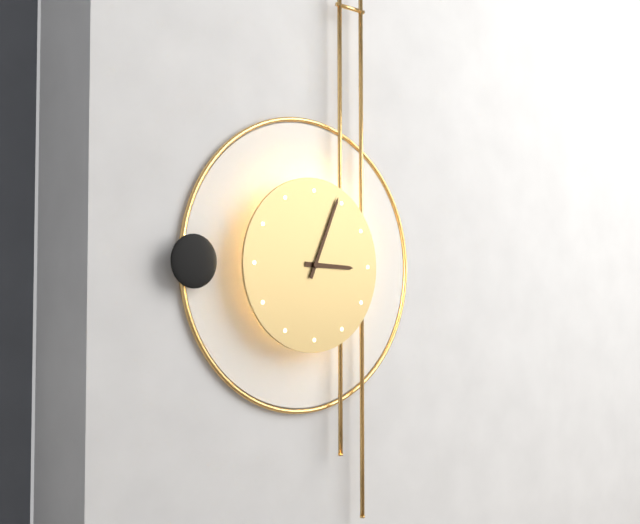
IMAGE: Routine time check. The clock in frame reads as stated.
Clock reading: 3:04
